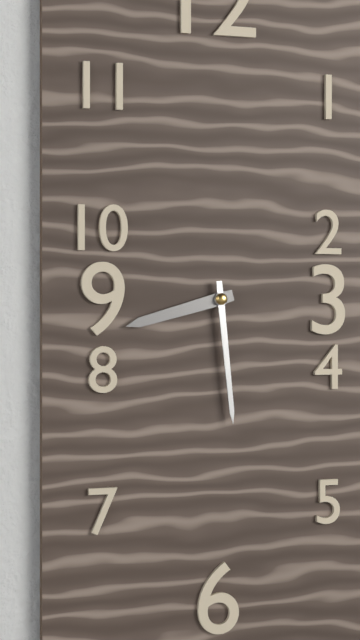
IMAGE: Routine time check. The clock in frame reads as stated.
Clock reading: 8:29
